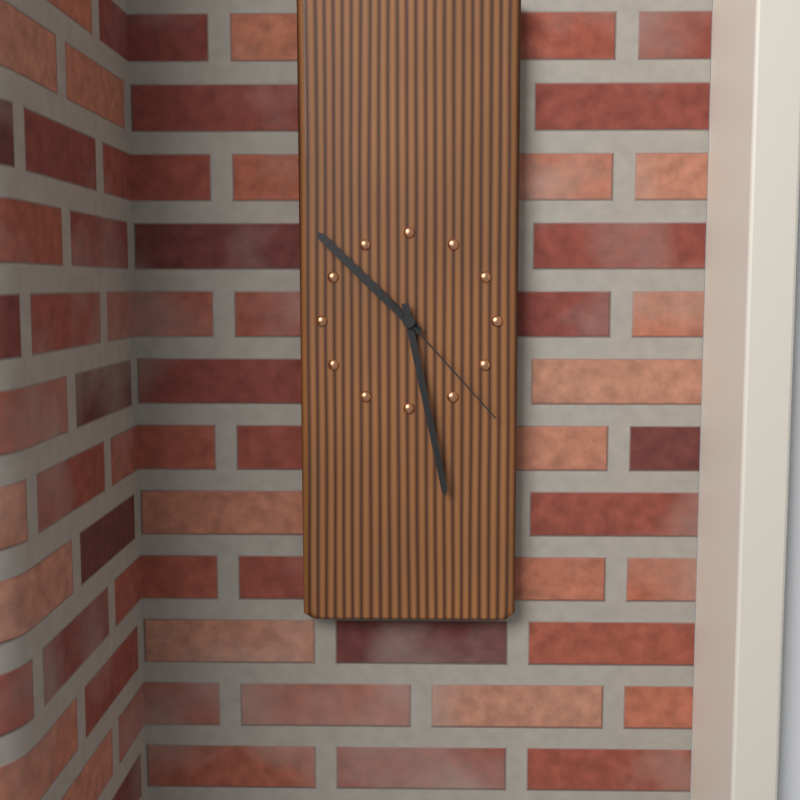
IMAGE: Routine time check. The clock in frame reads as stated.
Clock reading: 10:28:23
